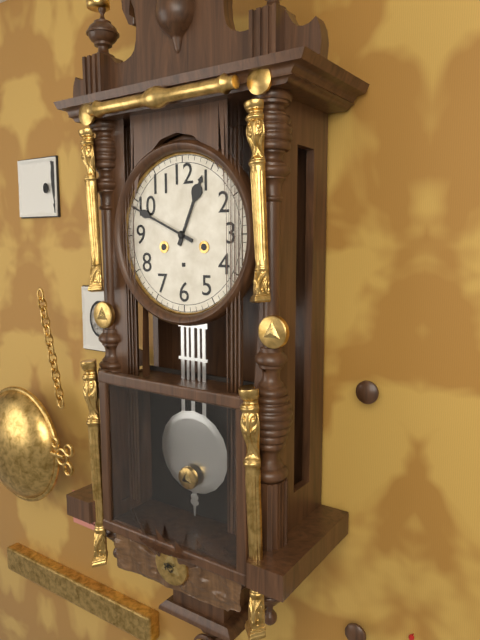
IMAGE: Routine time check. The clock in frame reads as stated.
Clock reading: 12:49
